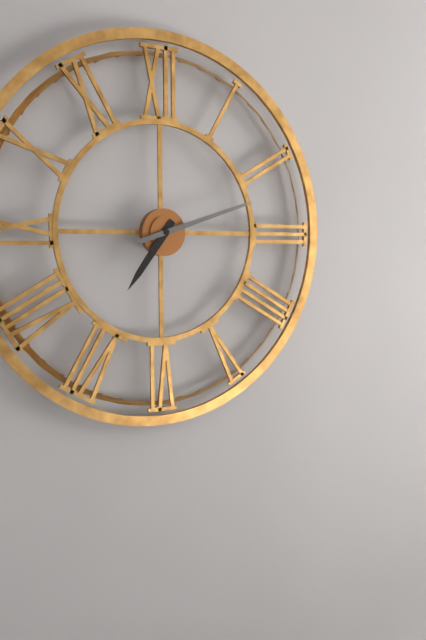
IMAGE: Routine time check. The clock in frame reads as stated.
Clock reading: 7:12
